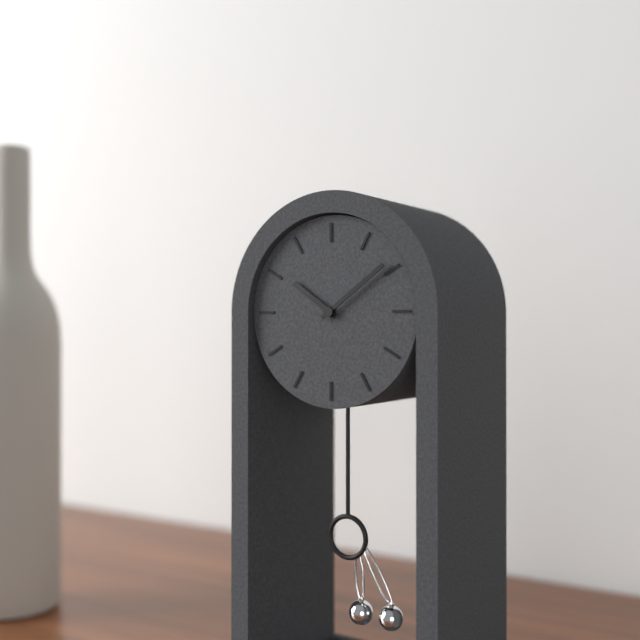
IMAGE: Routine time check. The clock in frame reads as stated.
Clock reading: 10:09
